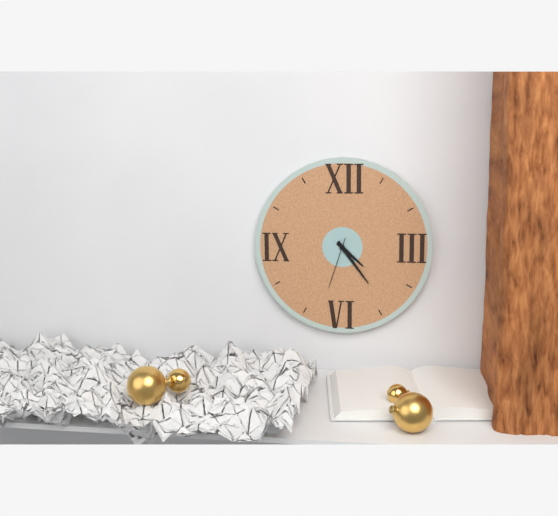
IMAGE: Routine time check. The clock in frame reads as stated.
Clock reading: 4:24:33
